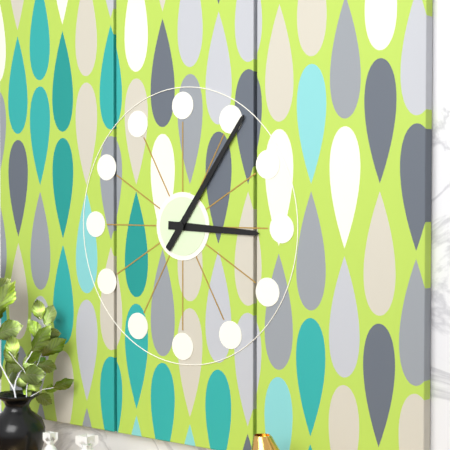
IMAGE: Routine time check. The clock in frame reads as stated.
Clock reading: 3:06
